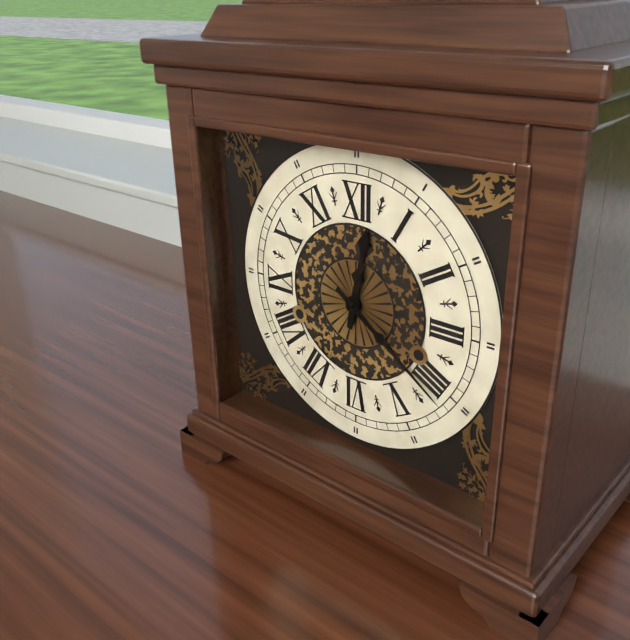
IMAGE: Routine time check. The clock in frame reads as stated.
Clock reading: 12:21
